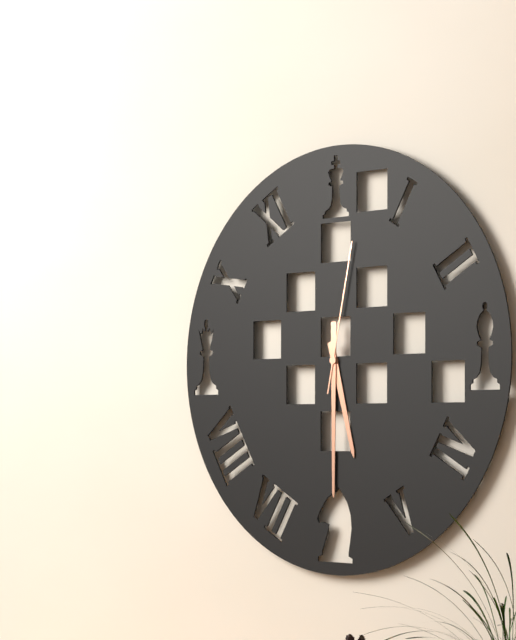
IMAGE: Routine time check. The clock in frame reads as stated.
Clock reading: 5:30:02
